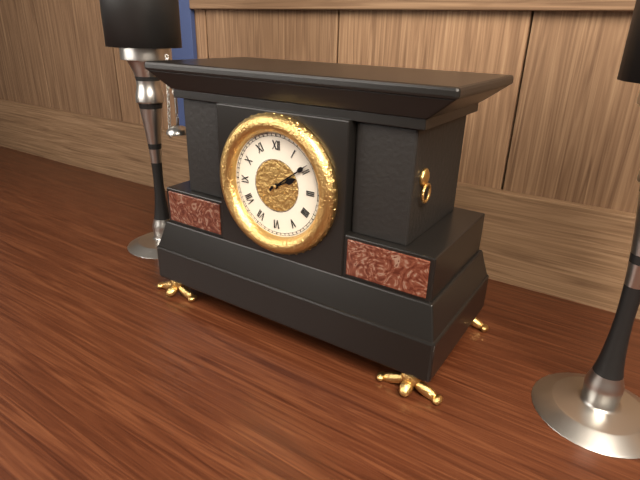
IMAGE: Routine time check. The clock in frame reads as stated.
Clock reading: 2:09
